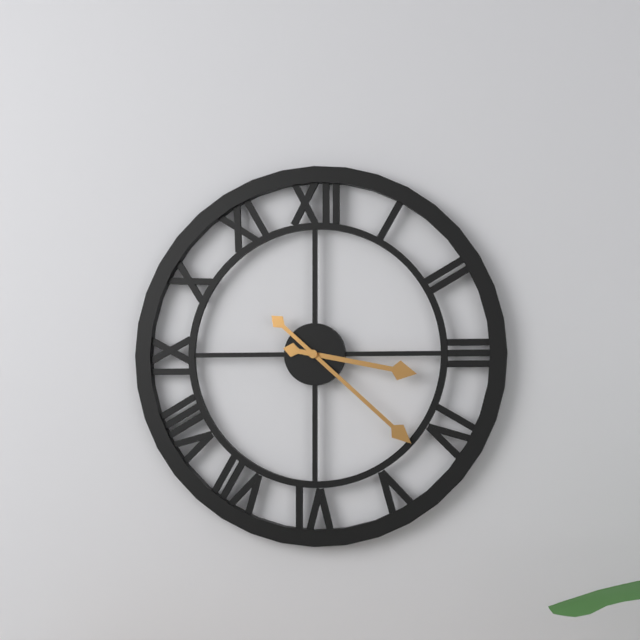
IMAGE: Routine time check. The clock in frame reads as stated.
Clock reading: 3:22
